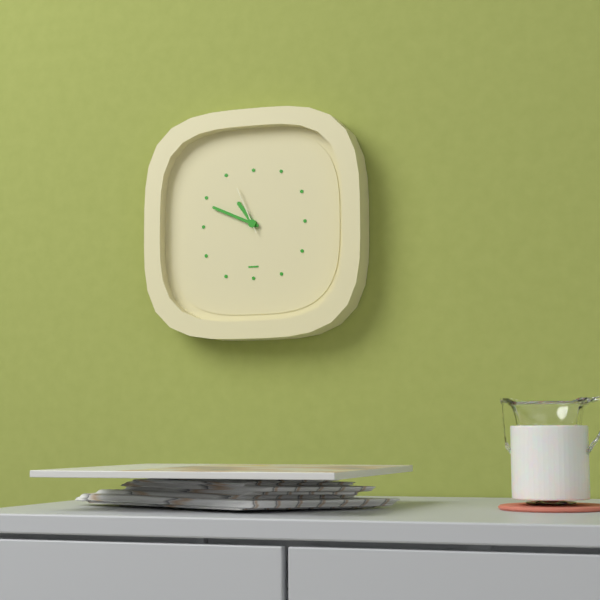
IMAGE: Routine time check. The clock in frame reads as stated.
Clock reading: 10:49:56
